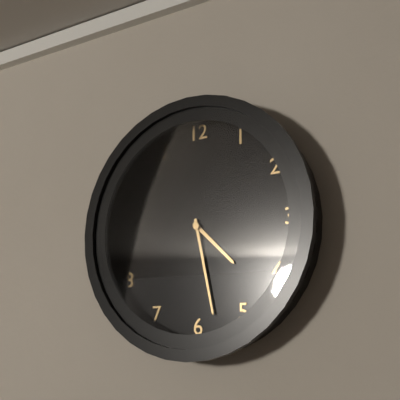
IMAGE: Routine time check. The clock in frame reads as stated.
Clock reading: 4:28
